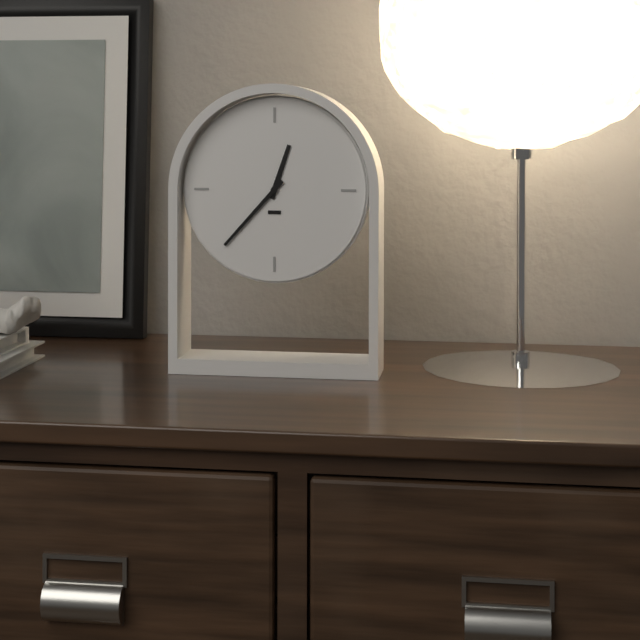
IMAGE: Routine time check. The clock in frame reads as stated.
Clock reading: 12:37
